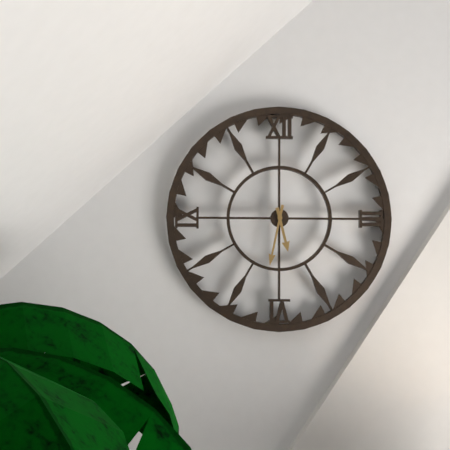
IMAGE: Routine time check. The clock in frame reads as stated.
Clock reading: 5:32
